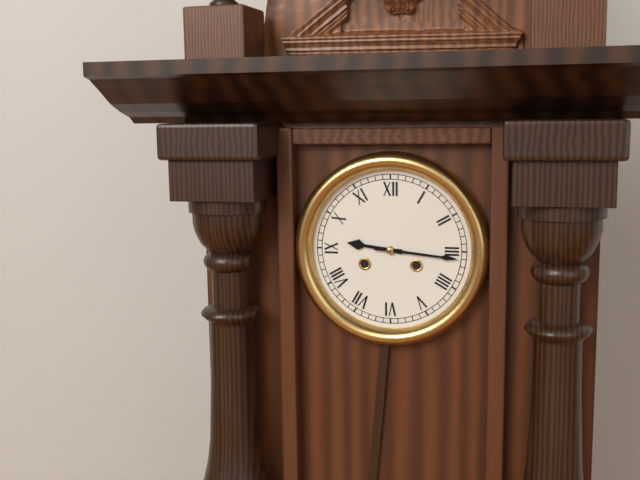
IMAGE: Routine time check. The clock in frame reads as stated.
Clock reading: 9:16
